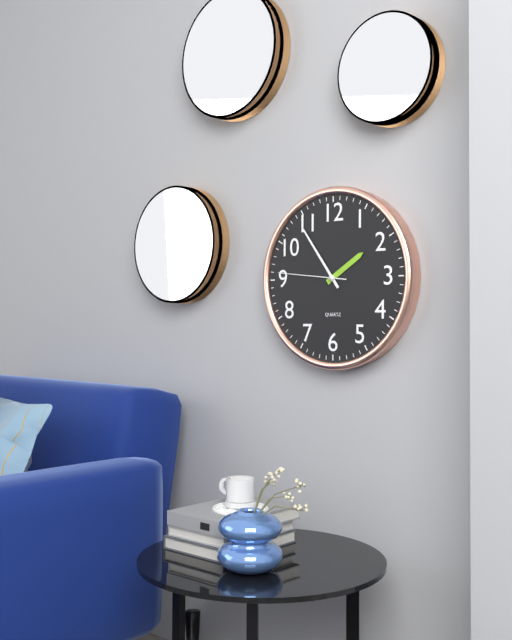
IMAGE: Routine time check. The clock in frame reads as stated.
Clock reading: 1:54:46
